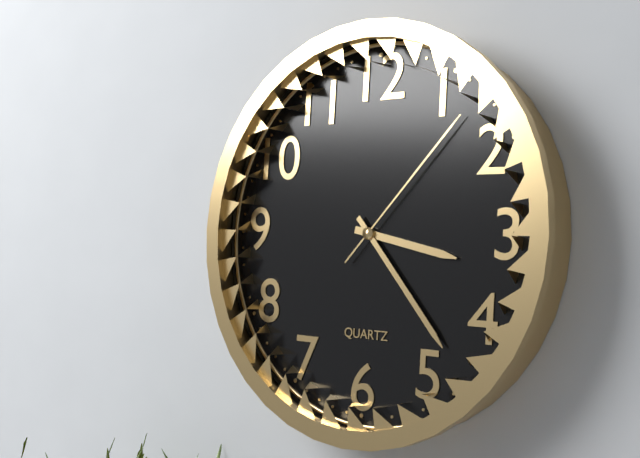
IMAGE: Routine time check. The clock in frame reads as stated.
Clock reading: 3:23:07
